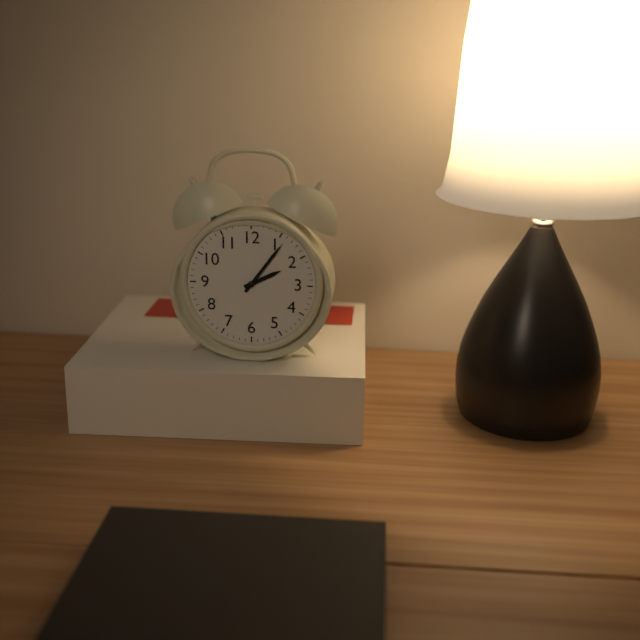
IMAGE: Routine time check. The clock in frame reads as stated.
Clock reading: 2:06
